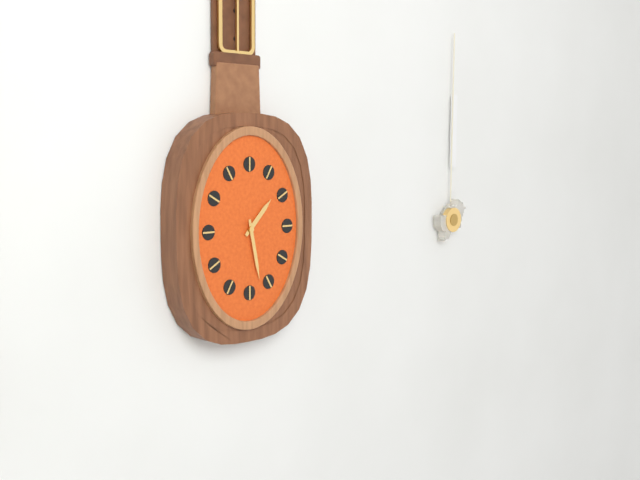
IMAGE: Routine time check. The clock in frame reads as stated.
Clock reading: 1:28
